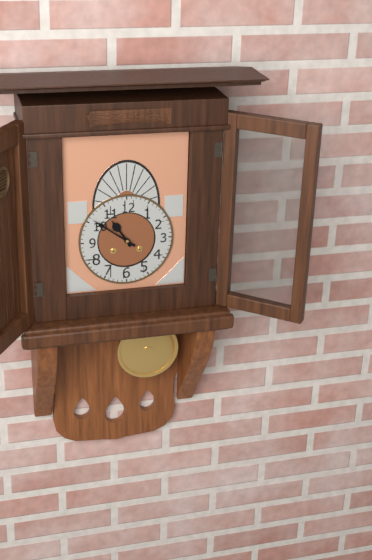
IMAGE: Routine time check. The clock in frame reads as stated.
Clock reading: 10:51
